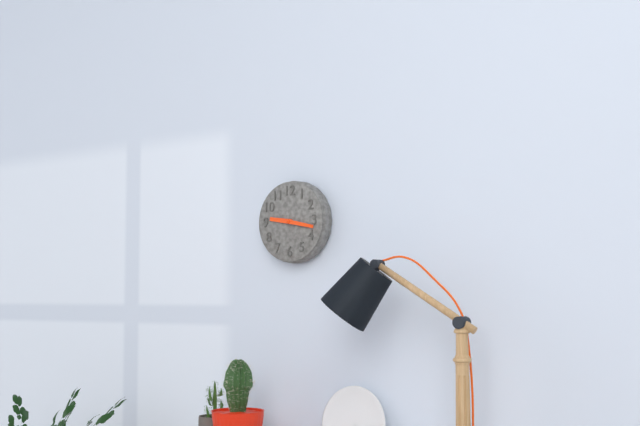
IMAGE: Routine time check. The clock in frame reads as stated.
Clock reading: 9:17
